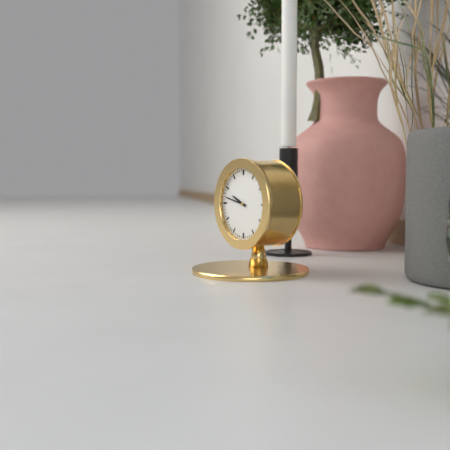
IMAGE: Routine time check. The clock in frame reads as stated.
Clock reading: 9:47
